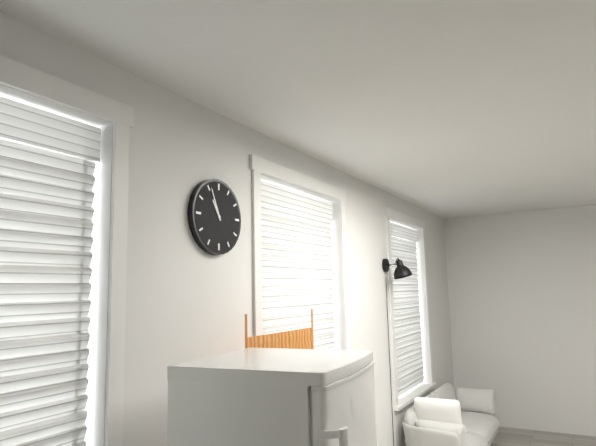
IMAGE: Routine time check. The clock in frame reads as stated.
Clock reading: 10:56
